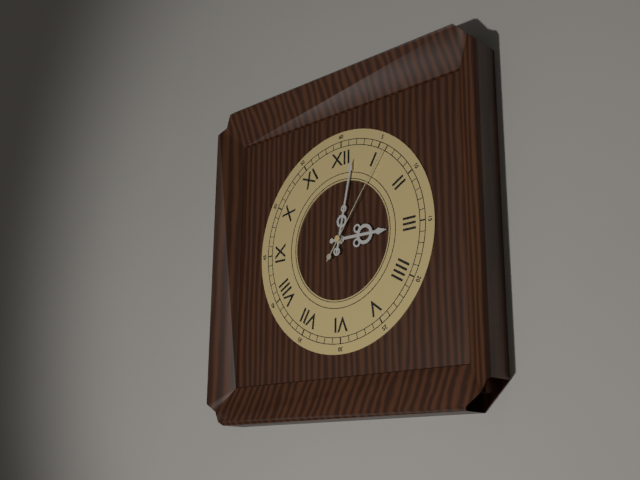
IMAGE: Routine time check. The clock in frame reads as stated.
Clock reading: 3:02:06
